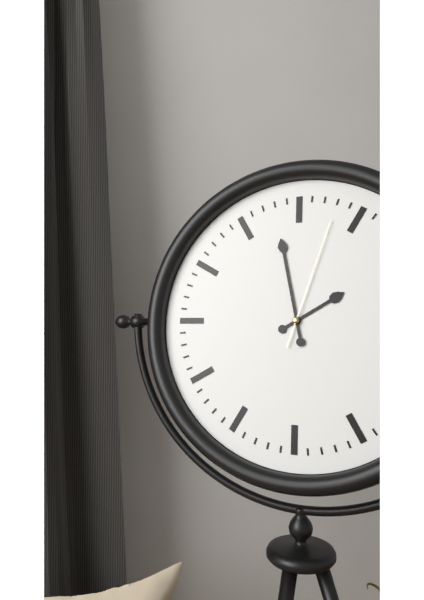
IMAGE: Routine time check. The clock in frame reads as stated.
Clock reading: 1:58:03
